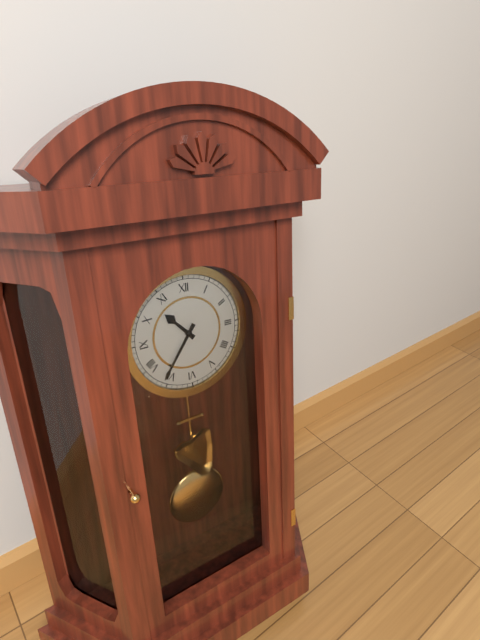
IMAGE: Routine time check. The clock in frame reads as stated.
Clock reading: 10:36
